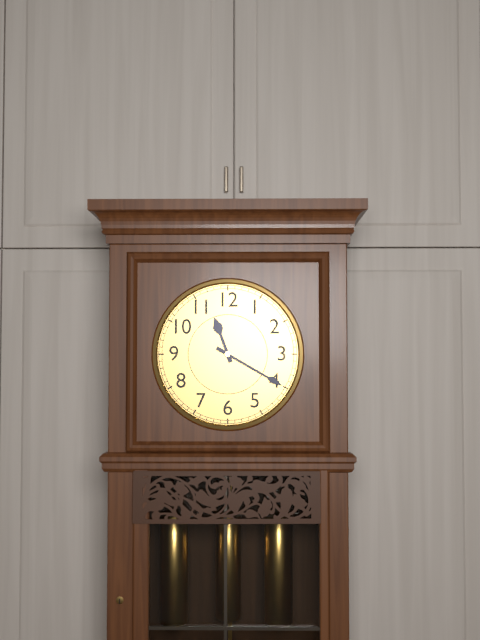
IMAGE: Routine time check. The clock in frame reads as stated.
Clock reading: 11:20
